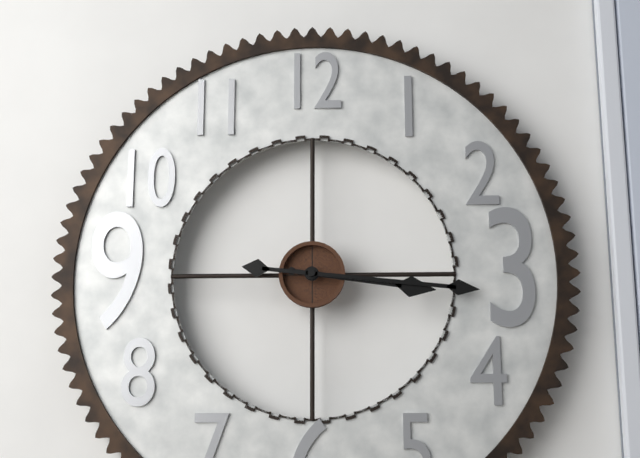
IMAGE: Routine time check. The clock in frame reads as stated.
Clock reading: 3:16
